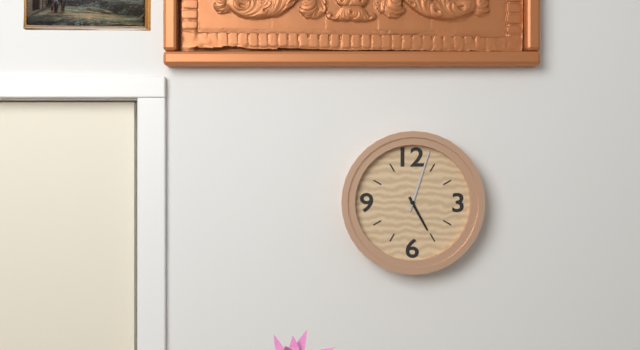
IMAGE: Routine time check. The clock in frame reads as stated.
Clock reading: 5:03
